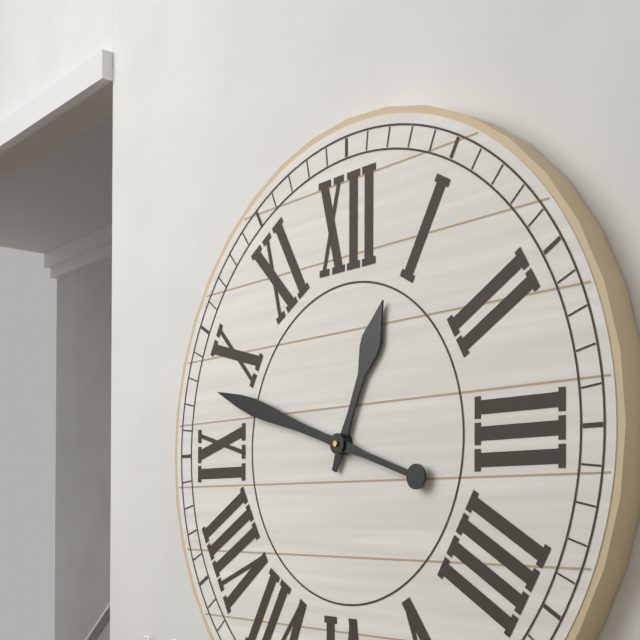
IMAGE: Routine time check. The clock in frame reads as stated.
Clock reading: 12:48
